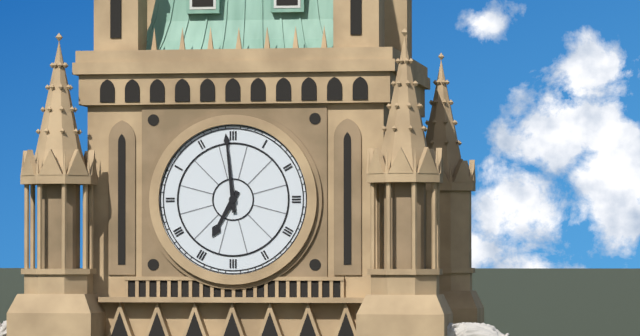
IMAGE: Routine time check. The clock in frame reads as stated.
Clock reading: 6:59
